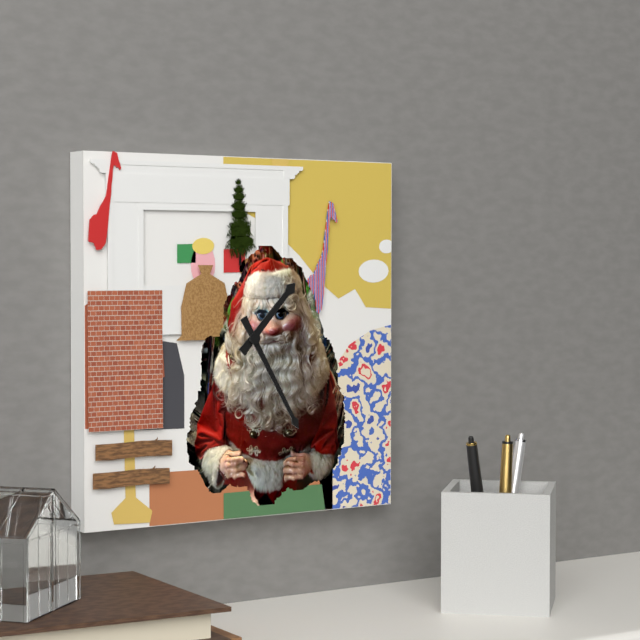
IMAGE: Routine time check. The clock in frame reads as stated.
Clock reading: 1:25
